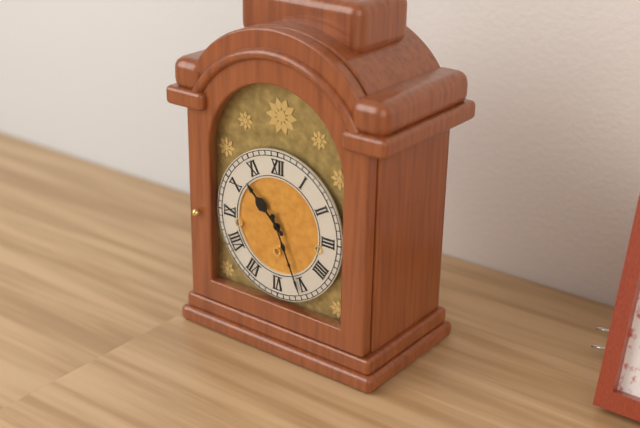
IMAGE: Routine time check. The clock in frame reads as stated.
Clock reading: 10:26
